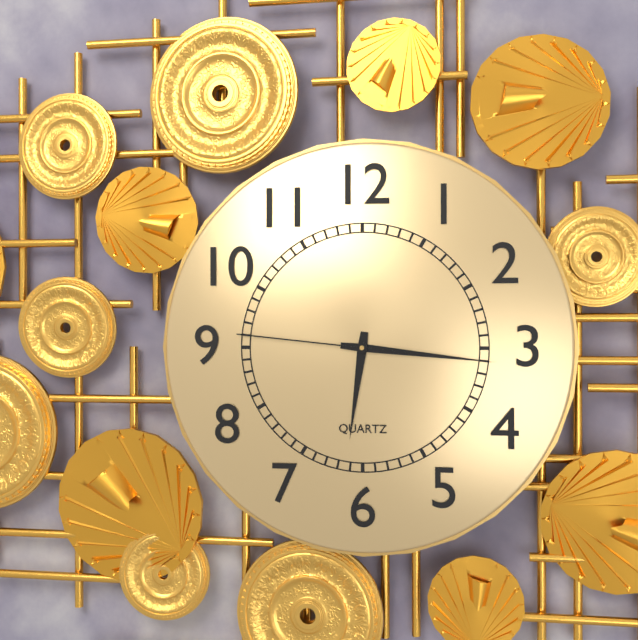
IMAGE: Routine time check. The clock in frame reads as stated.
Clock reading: 6:16:46
